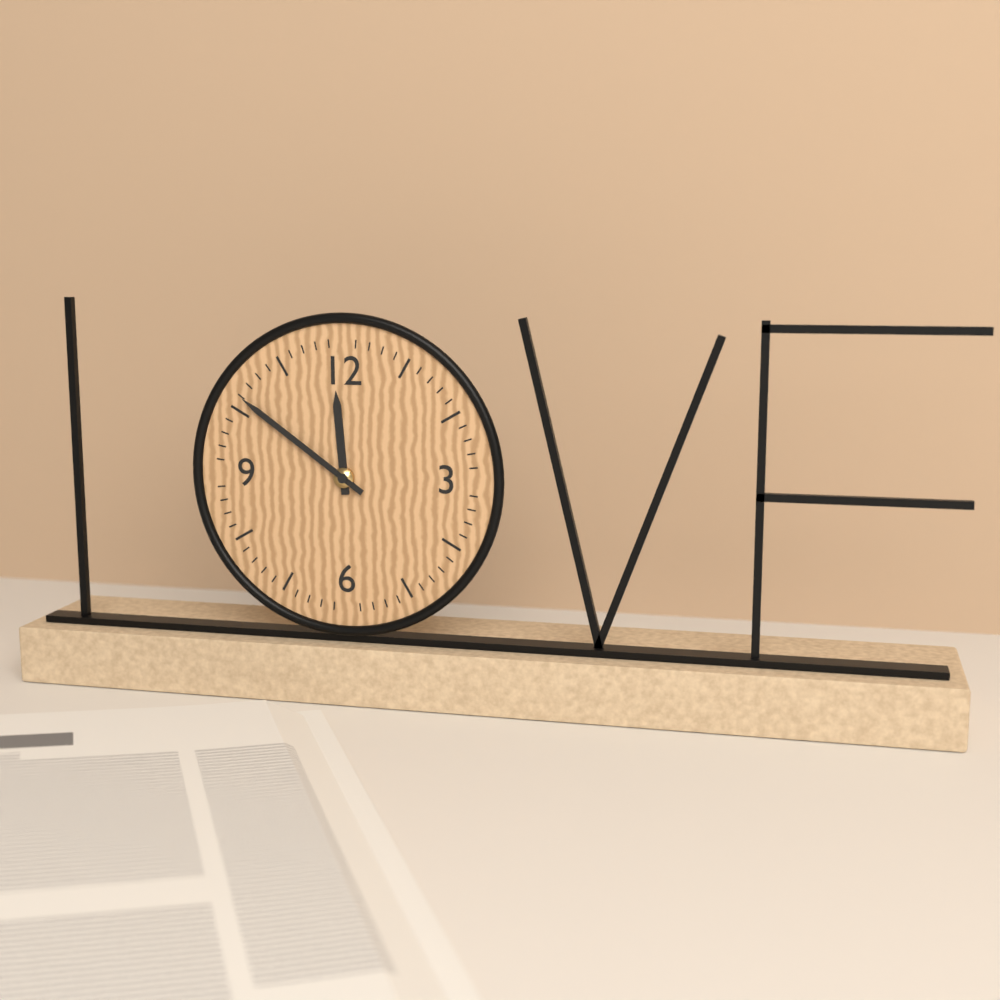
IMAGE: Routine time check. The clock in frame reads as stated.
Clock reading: 11:51
